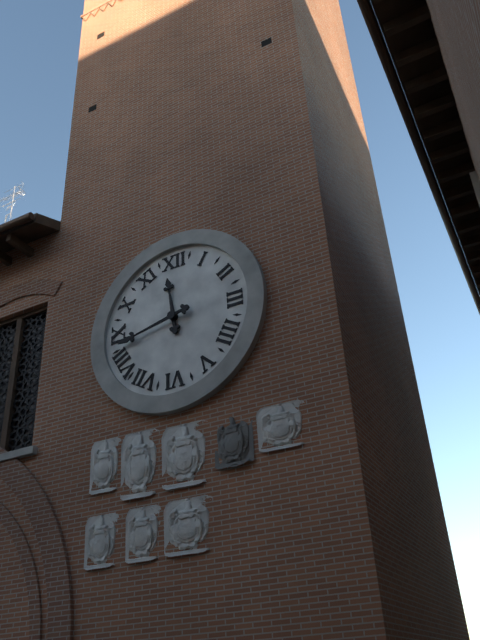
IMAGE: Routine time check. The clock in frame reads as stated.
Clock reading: 11:43
